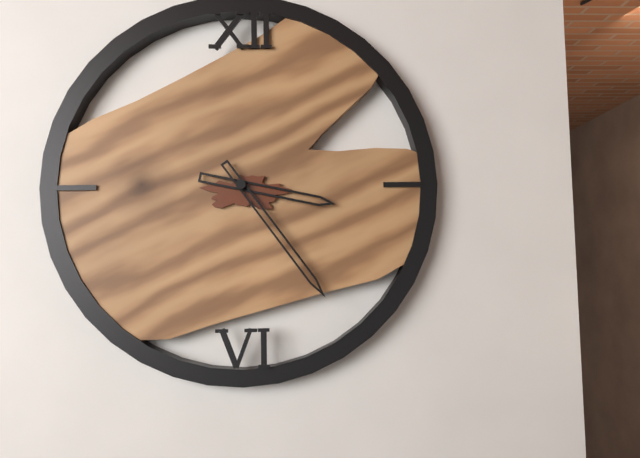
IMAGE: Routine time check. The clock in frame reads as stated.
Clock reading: 3:24
